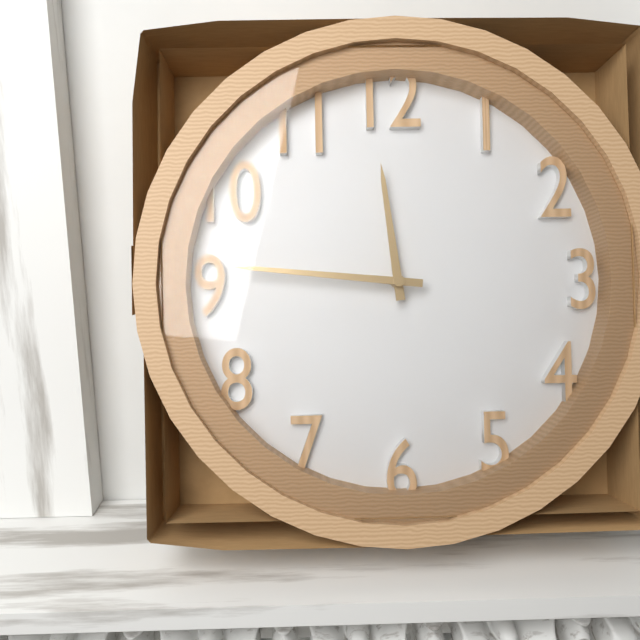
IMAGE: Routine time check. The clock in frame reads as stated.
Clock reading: 11:46
